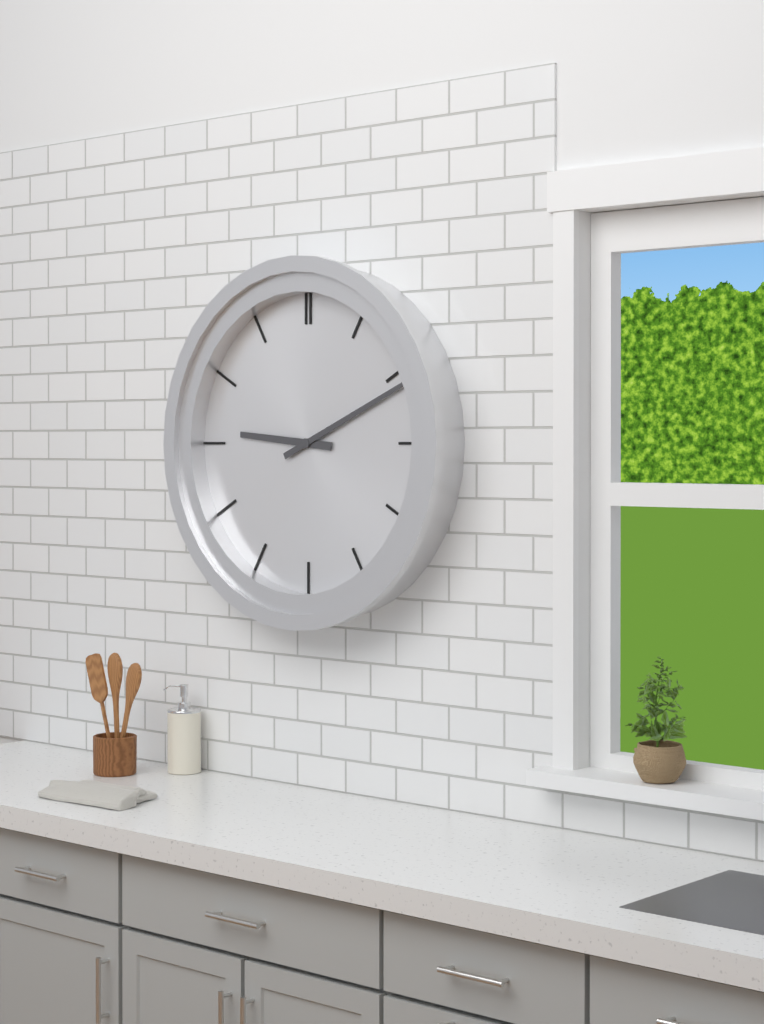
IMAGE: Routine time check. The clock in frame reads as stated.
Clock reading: 9:11
